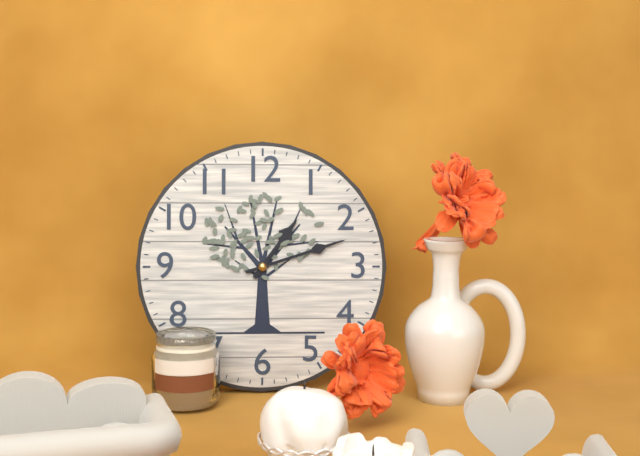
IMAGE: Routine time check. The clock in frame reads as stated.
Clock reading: 1:12
